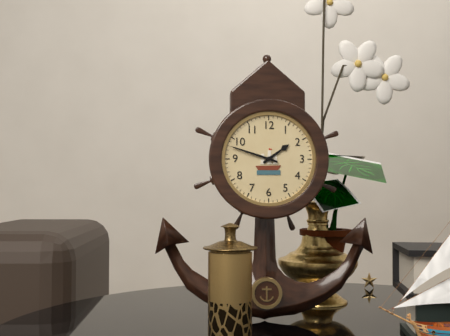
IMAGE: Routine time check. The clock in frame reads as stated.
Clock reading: 1:48
